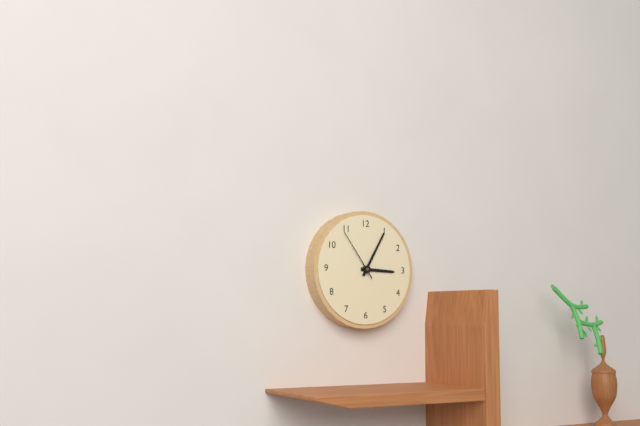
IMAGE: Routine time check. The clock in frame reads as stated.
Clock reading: 3:05:54
